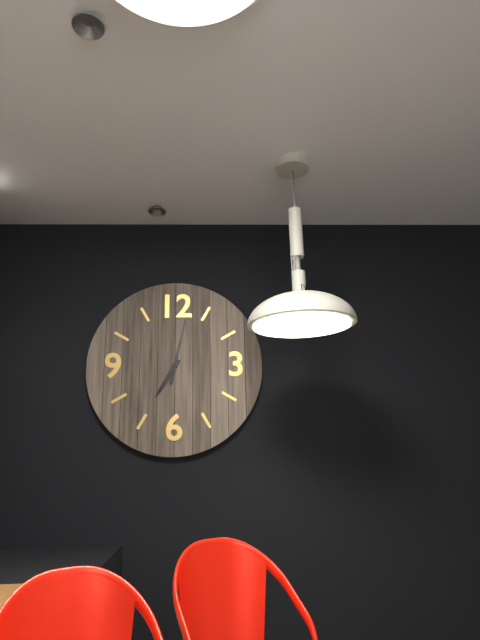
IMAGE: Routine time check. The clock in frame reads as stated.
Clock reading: 7:02
